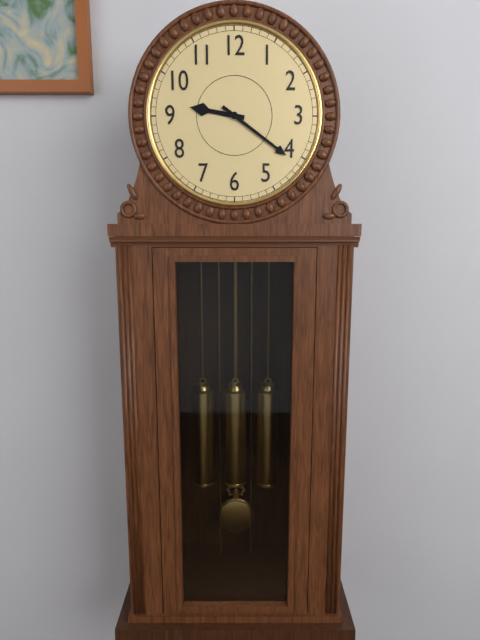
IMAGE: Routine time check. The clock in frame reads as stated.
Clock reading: 9:21
